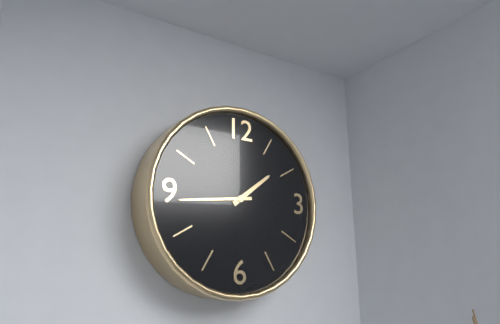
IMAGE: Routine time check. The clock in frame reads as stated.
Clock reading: 1:44
